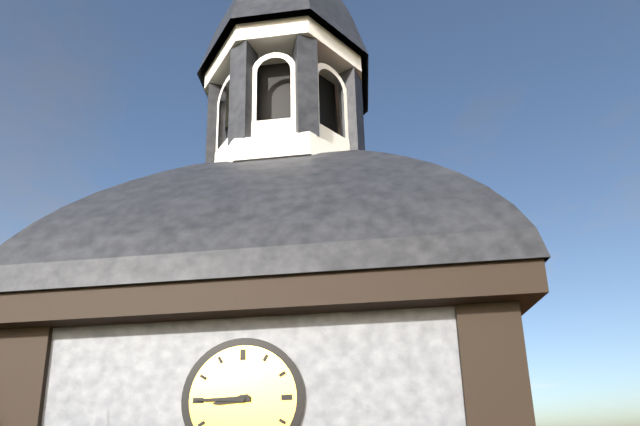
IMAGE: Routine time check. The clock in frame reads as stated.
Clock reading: 8:45
